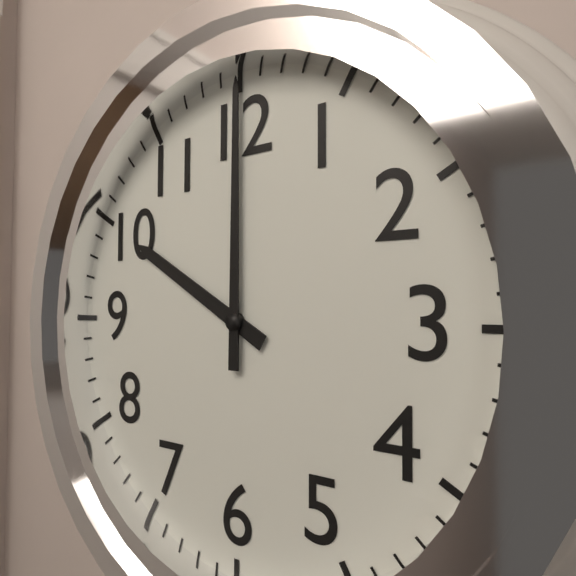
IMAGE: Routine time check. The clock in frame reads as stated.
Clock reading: 10:00
